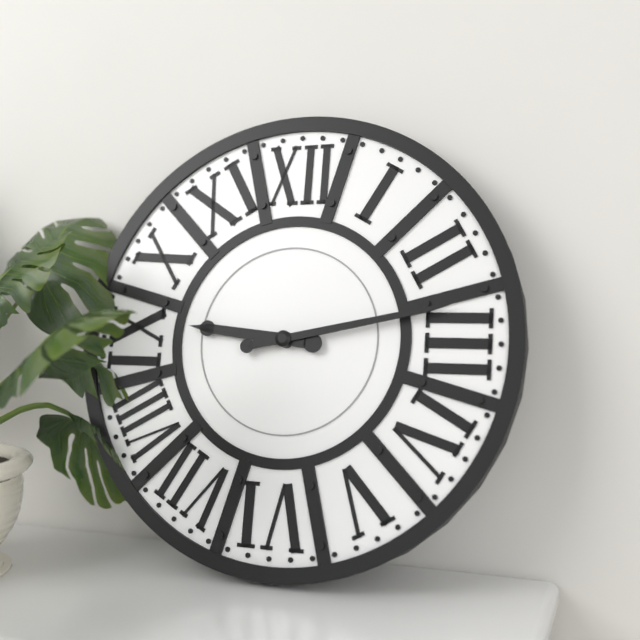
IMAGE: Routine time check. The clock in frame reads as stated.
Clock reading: 9:13
